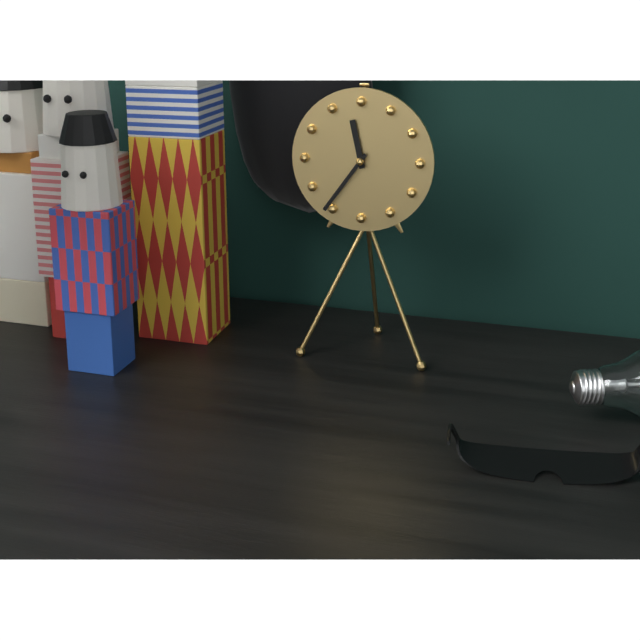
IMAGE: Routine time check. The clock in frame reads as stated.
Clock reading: 11:36
